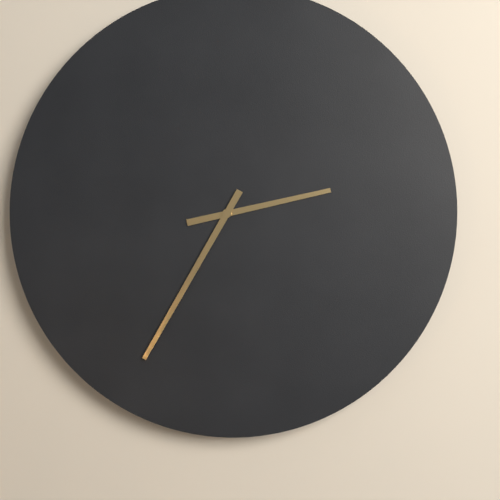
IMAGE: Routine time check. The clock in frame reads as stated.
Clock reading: 2:35
